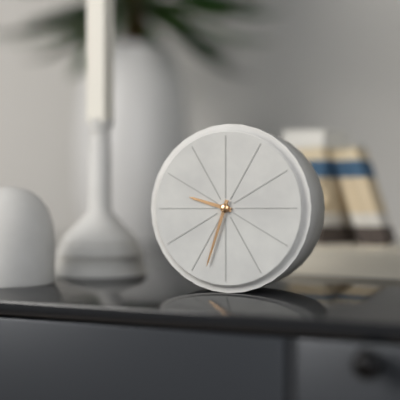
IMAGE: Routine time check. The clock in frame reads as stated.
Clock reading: 9:33
